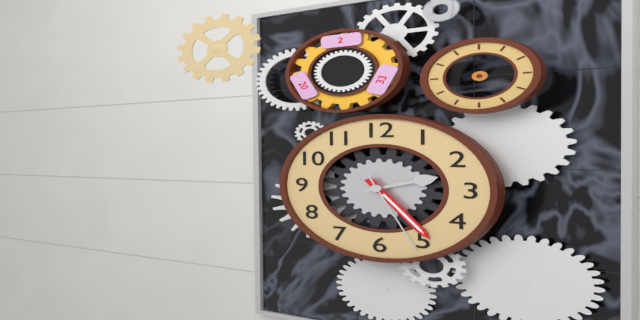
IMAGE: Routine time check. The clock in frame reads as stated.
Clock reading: 2:24:26
